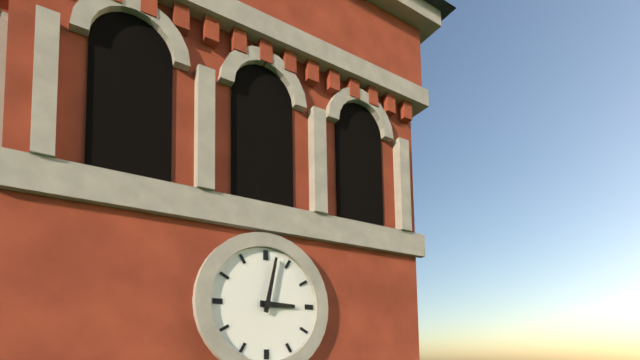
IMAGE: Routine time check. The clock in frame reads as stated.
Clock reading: 3:02
